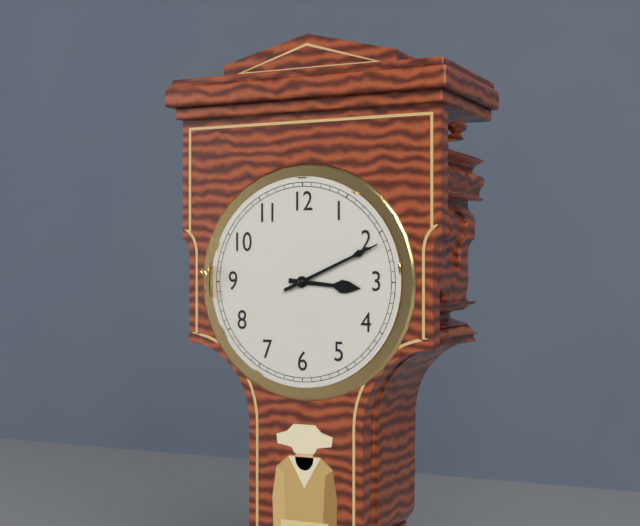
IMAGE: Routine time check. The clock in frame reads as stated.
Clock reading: 3:11
